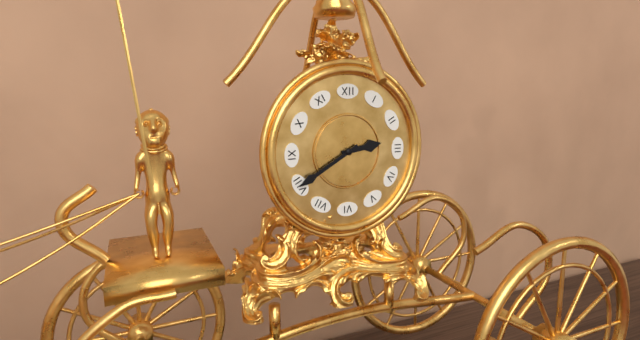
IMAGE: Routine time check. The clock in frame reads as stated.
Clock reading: 2:40
